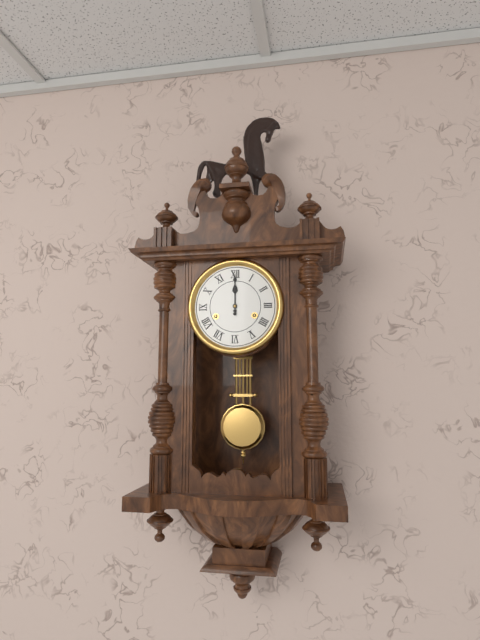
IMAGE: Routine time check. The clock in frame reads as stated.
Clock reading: 12:00
